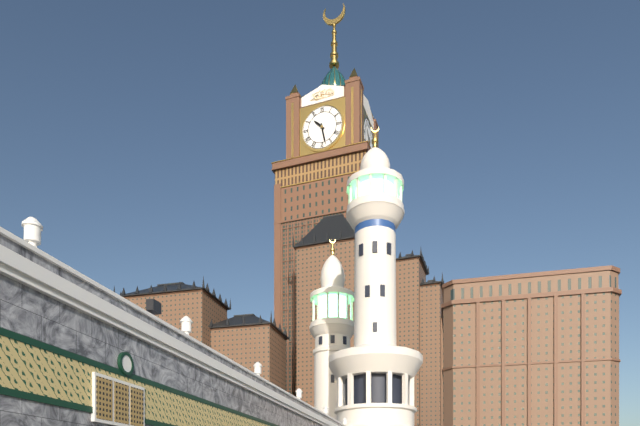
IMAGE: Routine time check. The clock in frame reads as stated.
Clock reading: 10:28
